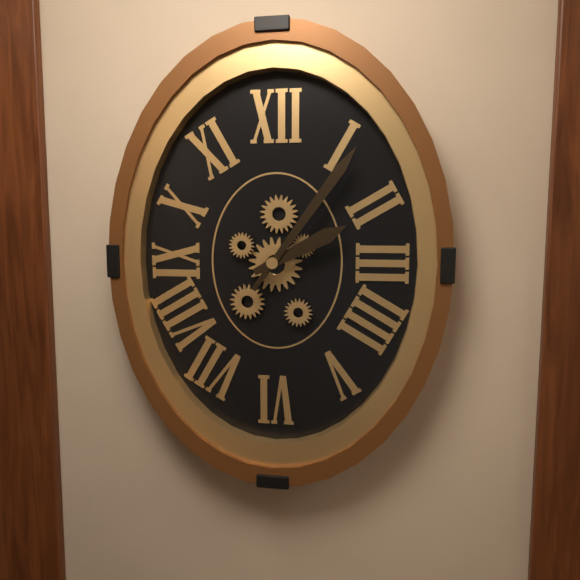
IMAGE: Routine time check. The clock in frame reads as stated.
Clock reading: 2:06
